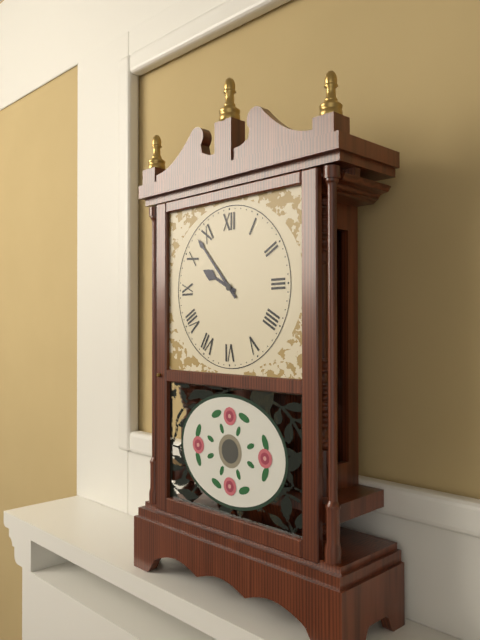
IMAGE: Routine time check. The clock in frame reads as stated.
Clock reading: 9:53
